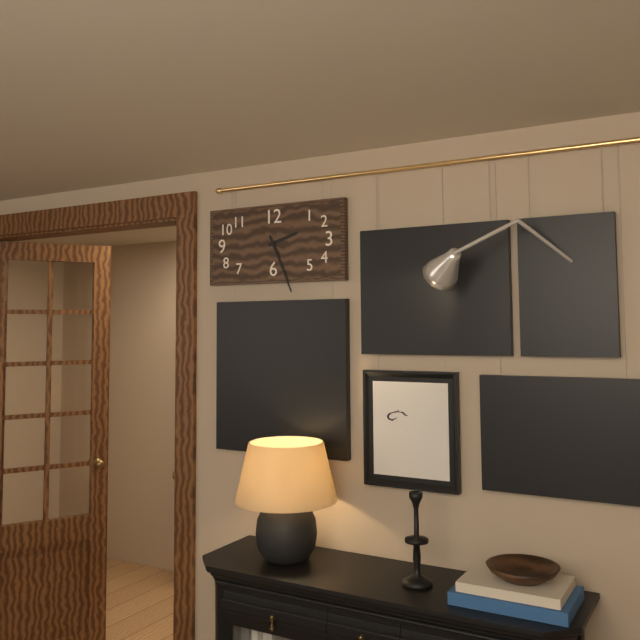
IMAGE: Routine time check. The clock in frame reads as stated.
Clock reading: 2:26
